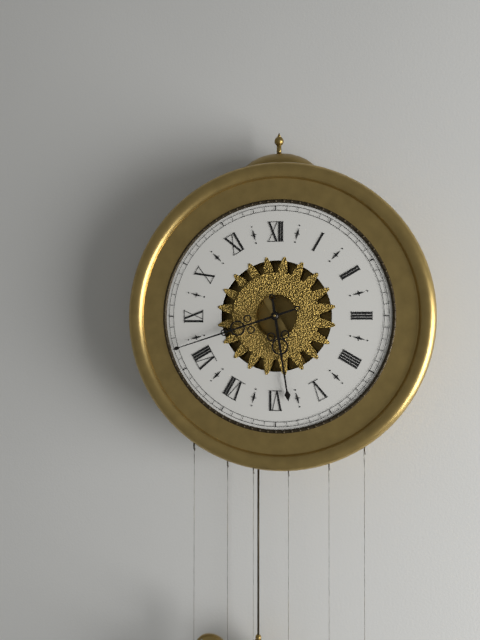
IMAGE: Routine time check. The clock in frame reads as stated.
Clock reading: 5:42
